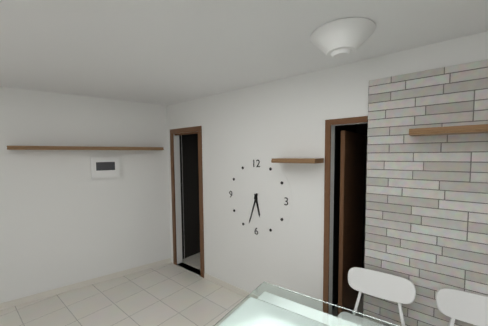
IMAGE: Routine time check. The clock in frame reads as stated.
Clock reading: 5:33
